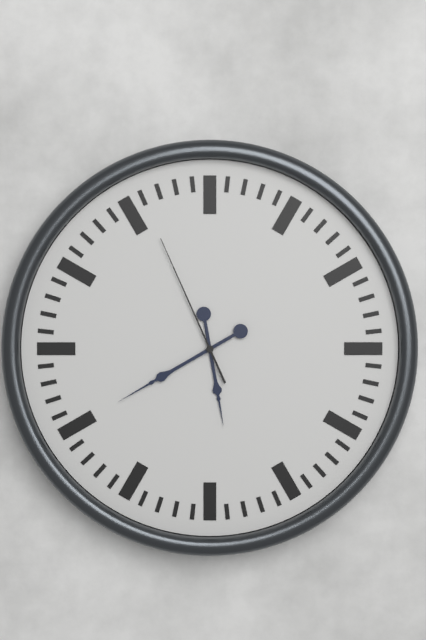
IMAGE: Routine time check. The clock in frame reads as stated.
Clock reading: 5:40:56
